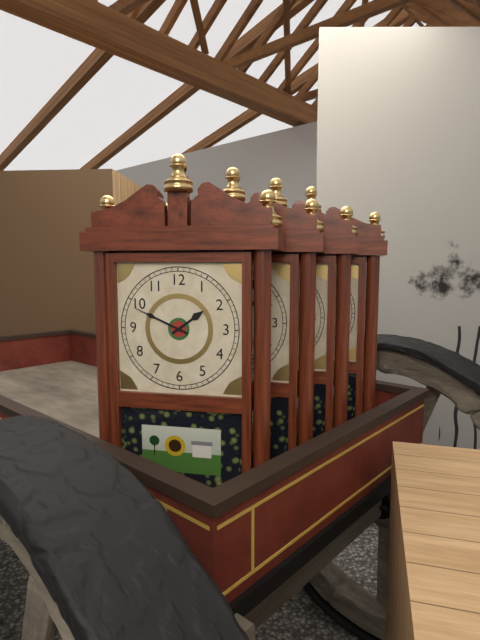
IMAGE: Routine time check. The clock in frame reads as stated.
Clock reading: 1:49
